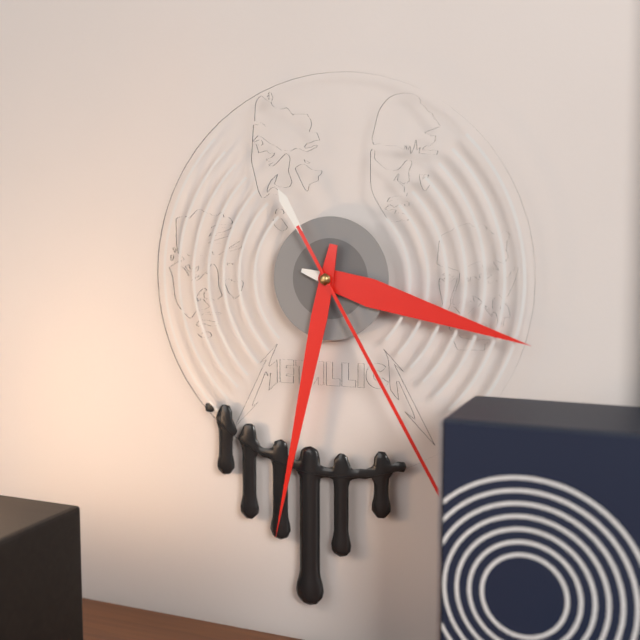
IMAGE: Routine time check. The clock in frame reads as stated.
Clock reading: 3:32:25
